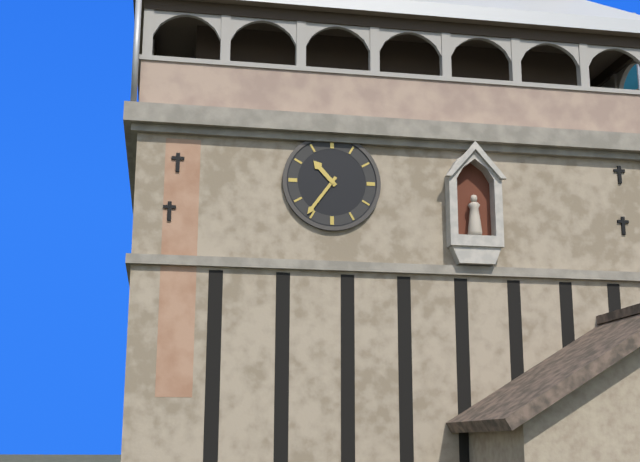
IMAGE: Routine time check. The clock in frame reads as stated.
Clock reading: 10:36
